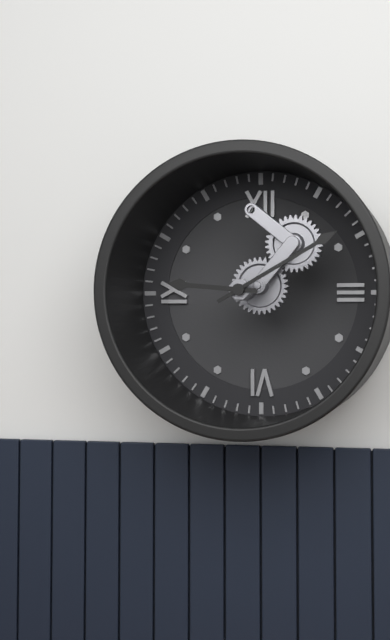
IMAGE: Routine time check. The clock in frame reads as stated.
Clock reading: 9:10
